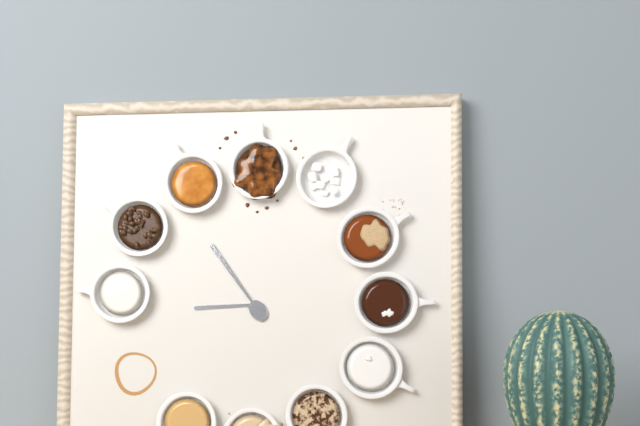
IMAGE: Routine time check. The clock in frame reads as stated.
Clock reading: 8:54
